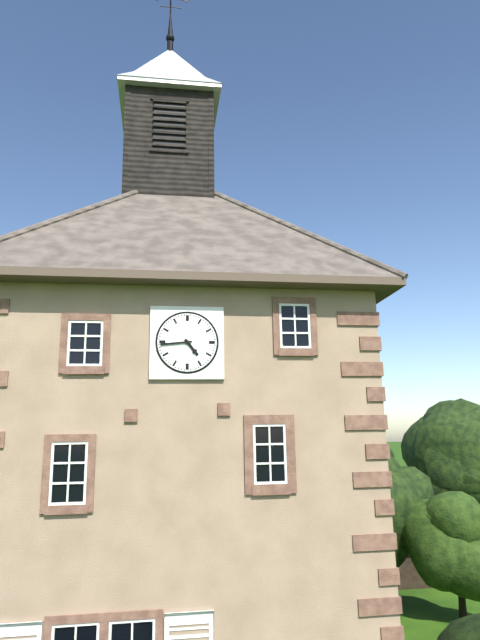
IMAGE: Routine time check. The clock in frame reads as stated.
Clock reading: 4:44
